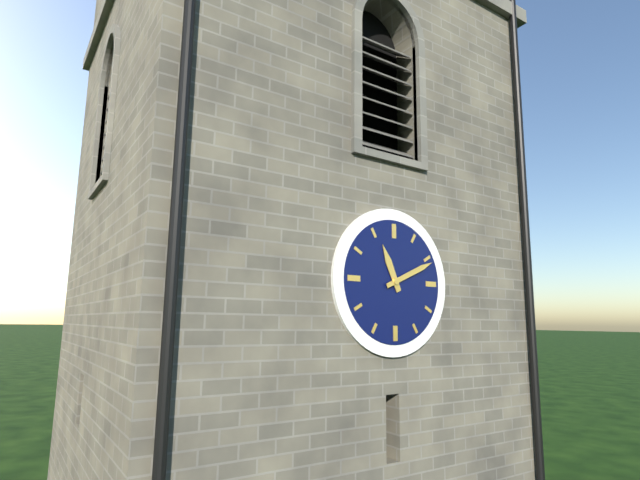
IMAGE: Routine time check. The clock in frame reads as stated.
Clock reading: 11:11
